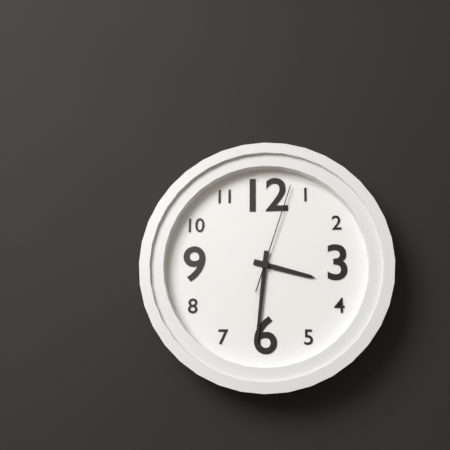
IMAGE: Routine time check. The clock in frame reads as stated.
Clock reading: 3:31:03
